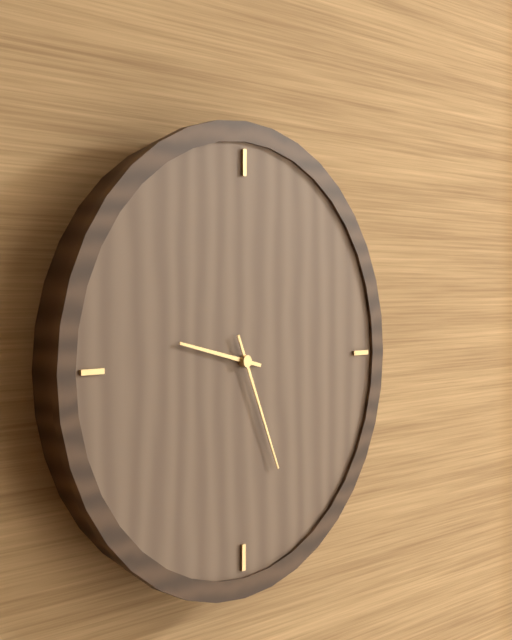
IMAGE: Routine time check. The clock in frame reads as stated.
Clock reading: 9:26
